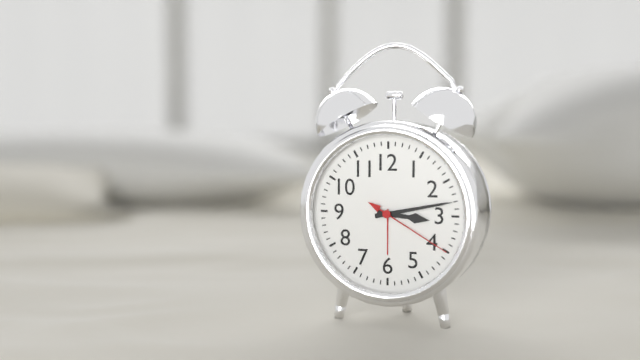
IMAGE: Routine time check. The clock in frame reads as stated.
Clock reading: 3:13:20
